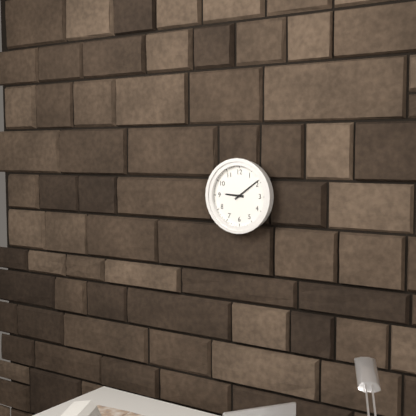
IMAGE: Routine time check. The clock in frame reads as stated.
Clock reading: 9:09
